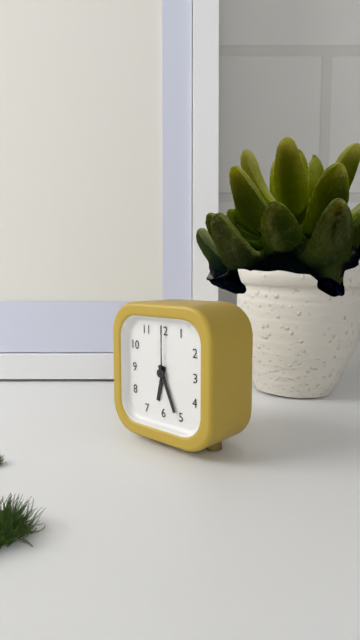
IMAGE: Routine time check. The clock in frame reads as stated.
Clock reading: 6:26:00
